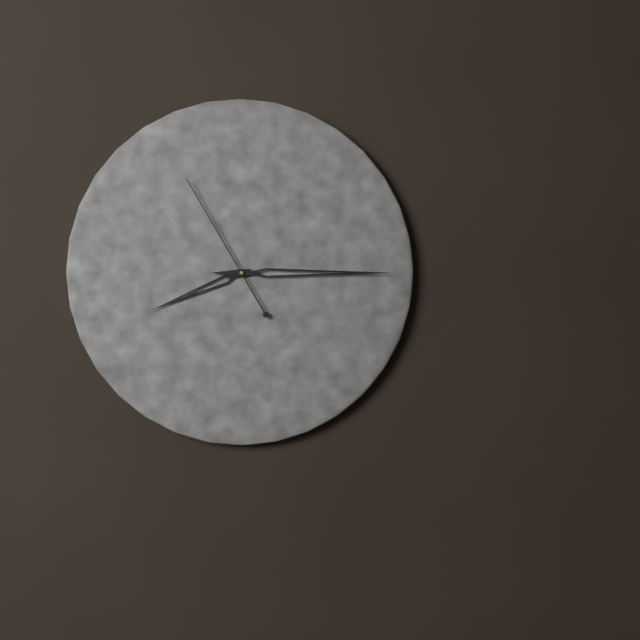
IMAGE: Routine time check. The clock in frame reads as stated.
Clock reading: 8:15:55
